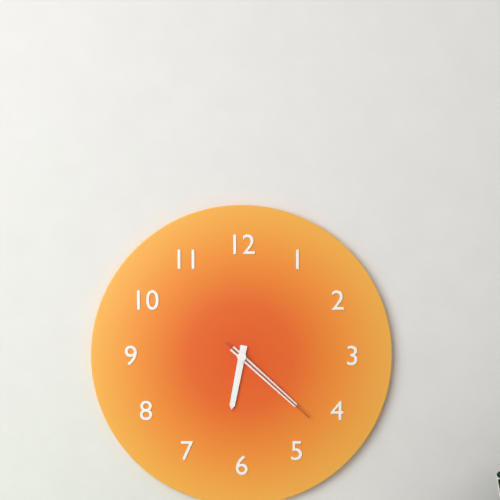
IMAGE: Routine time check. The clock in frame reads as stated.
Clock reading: 6:22:22
